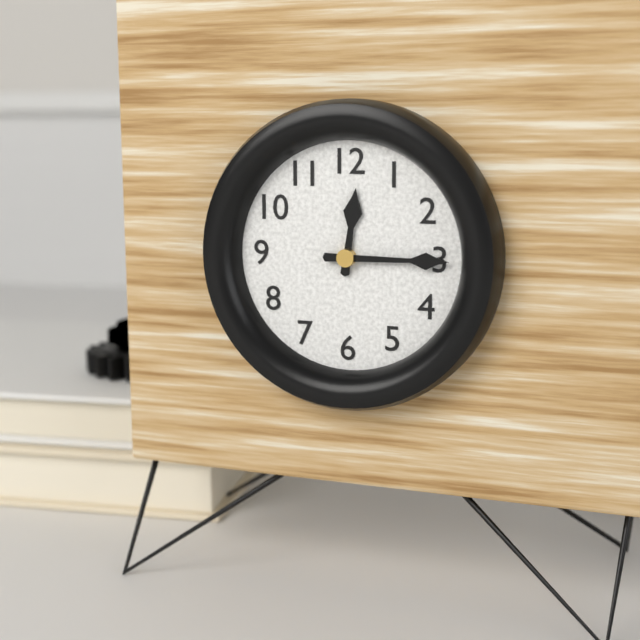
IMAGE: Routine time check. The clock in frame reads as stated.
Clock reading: 12:15
